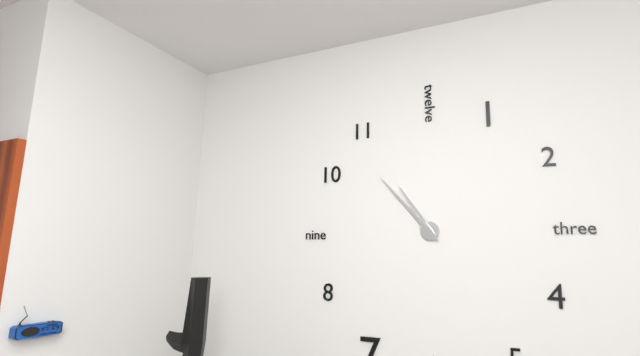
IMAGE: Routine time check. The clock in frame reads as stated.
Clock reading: 10:53
